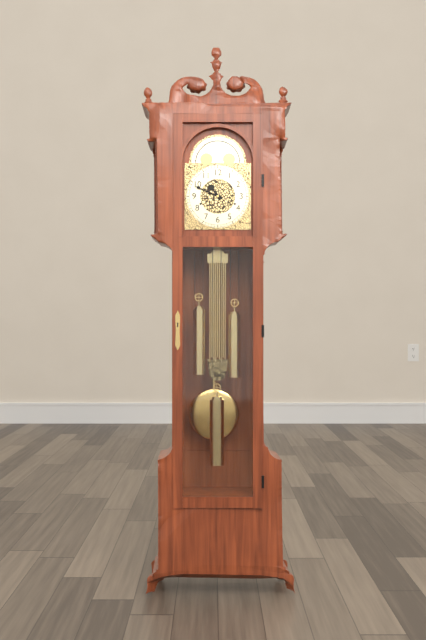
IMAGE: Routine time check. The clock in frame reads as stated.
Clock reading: 10:49
